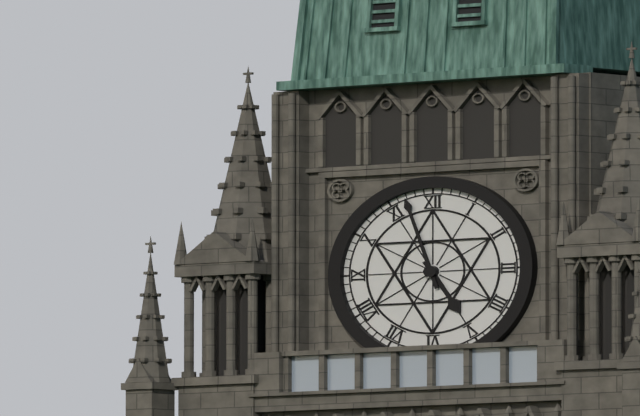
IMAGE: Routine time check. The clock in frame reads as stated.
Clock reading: 4:57
